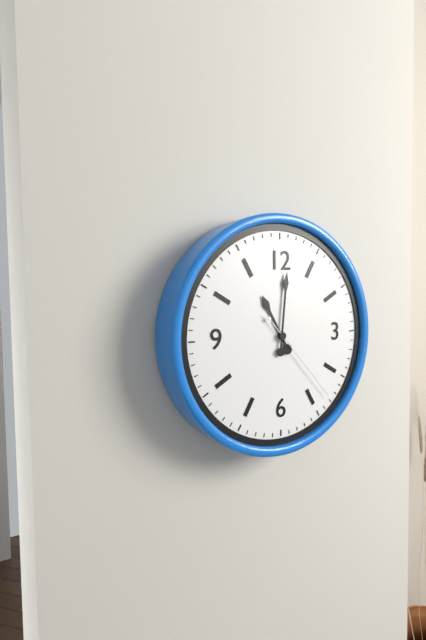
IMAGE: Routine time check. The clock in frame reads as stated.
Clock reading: 11:01:23
